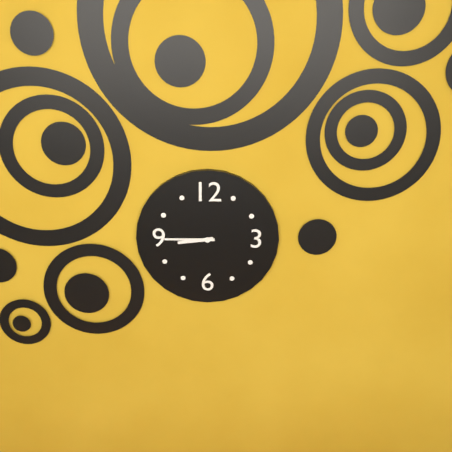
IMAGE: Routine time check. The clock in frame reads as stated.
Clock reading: 8:45
